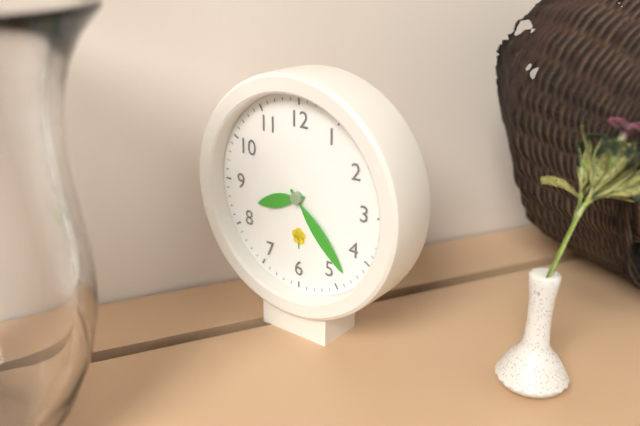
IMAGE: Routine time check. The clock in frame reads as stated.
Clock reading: 8:23
